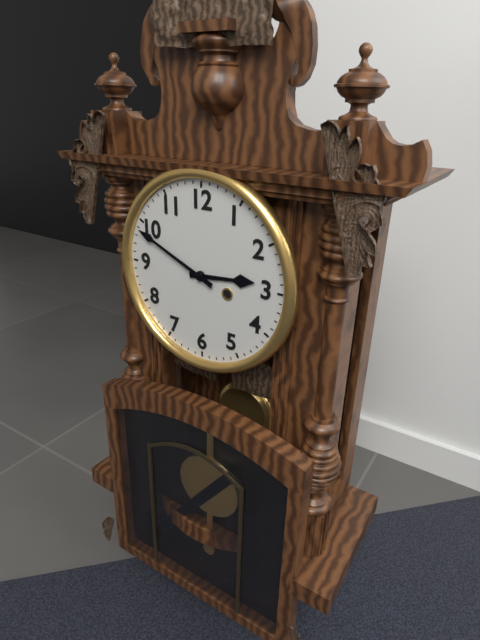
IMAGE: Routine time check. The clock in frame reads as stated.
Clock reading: 2:49
